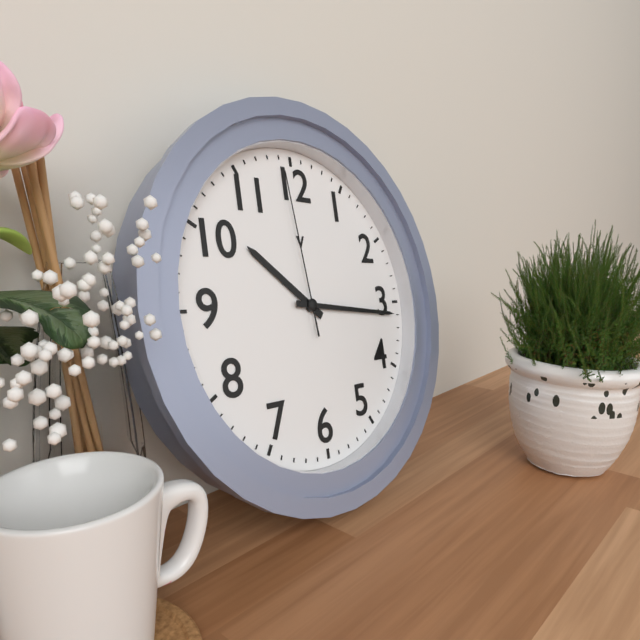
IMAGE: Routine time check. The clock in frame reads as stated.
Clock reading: 10:16:59
